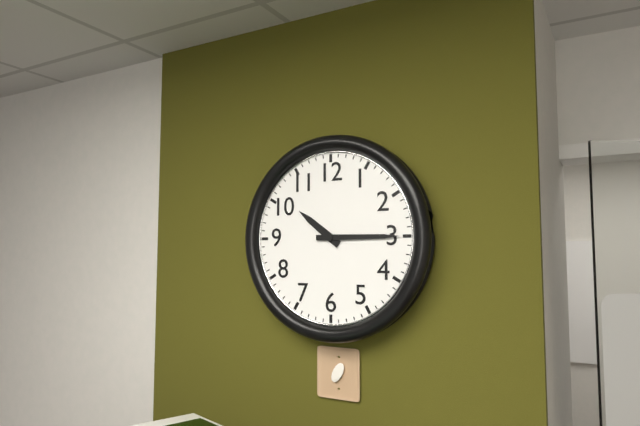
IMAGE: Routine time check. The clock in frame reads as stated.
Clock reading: 10:15
